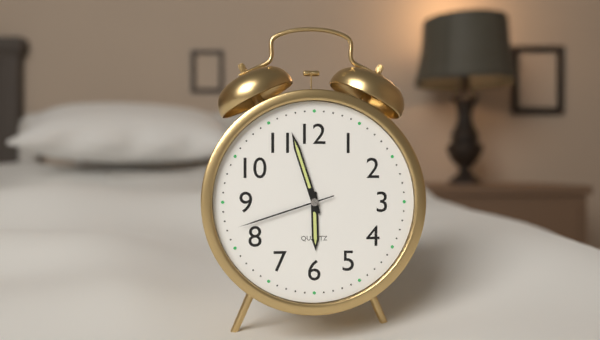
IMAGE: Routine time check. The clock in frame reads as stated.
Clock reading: 5:57:42
